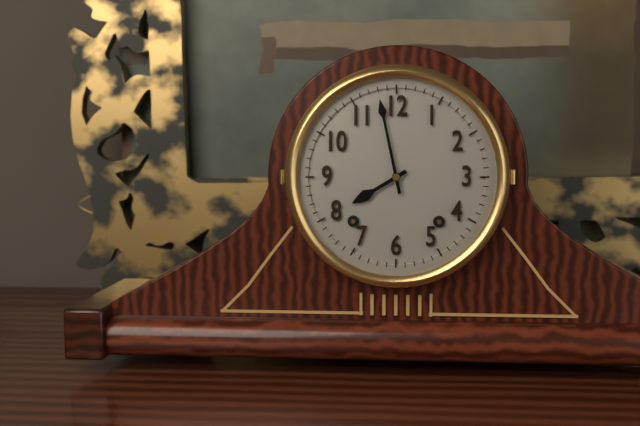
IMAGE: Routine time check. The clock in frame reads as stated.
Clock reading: 7:58
